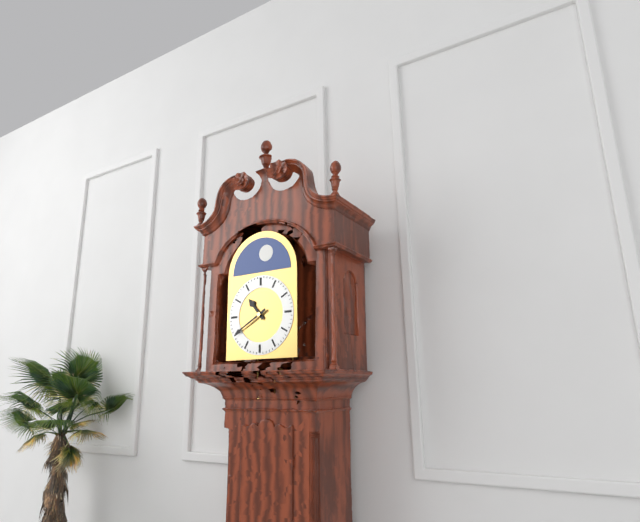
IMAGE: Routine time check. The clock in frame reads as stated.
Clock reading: 10:40
